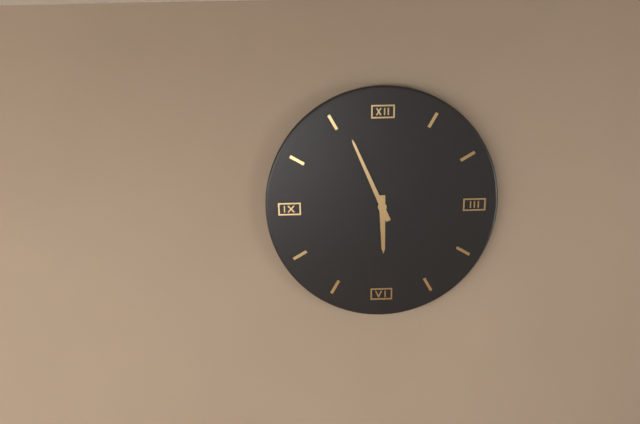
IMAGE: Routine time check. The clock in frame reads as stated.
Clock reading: 5:56
